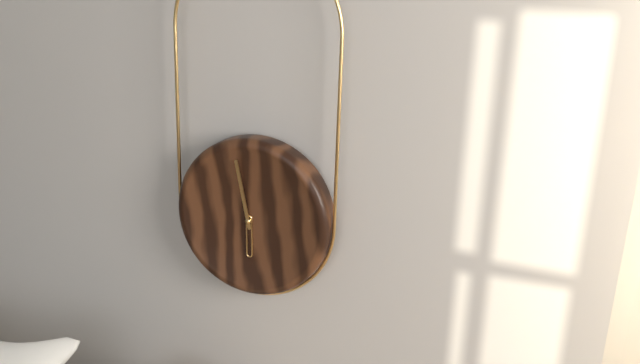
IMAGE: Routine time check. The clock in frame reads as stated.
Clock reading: 5:58
